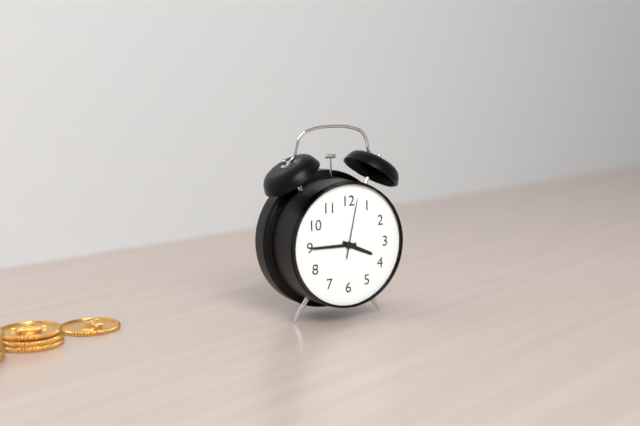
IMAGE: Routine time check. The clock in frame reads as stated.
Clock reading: 3:45:02
